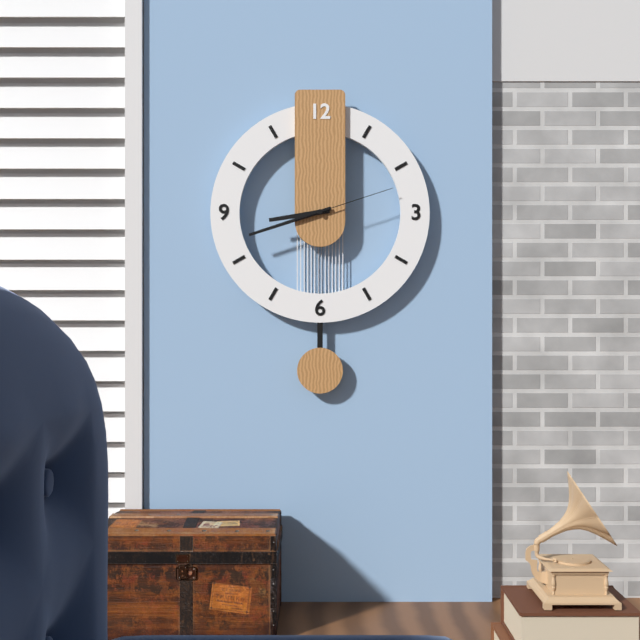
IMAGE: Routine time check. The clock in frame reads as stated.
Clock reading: 8:42:12
